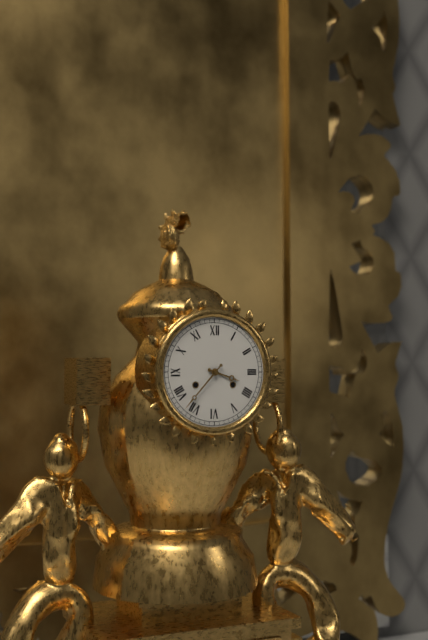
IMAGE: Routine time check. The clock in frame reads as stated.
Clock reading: 3:37
